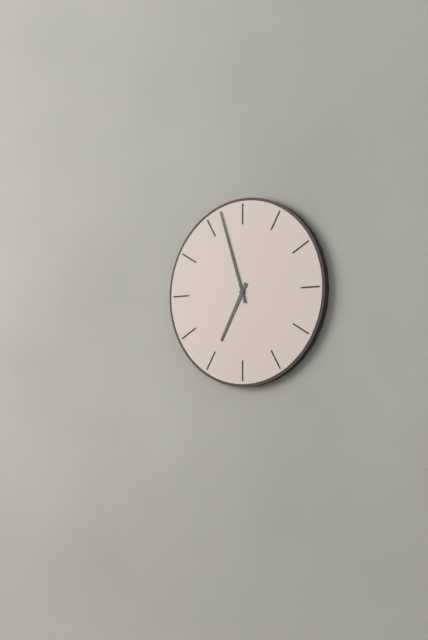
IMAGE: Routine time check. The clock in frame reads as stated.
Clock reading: 6:57
